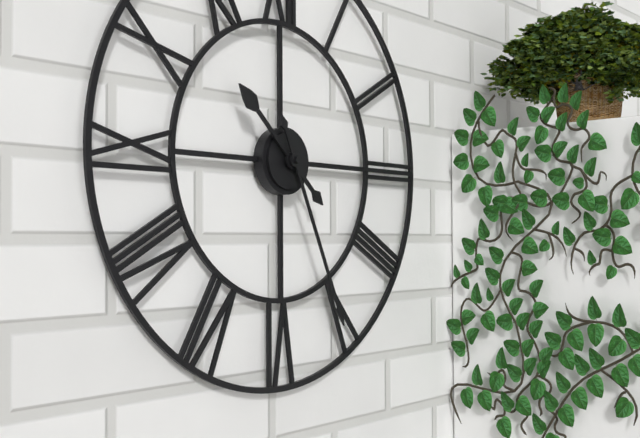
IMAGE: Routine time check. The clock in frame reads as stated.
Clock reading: 10:26
